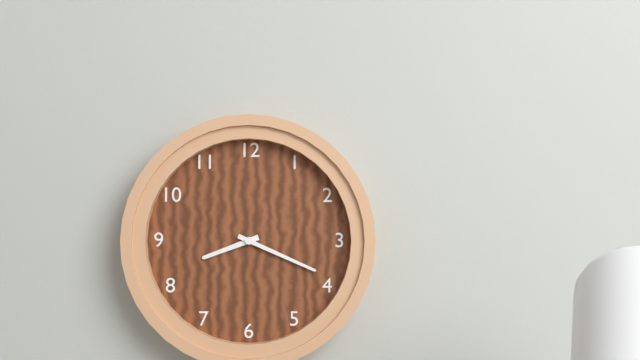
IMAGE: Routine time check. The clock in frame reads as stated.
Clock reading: 8:19
